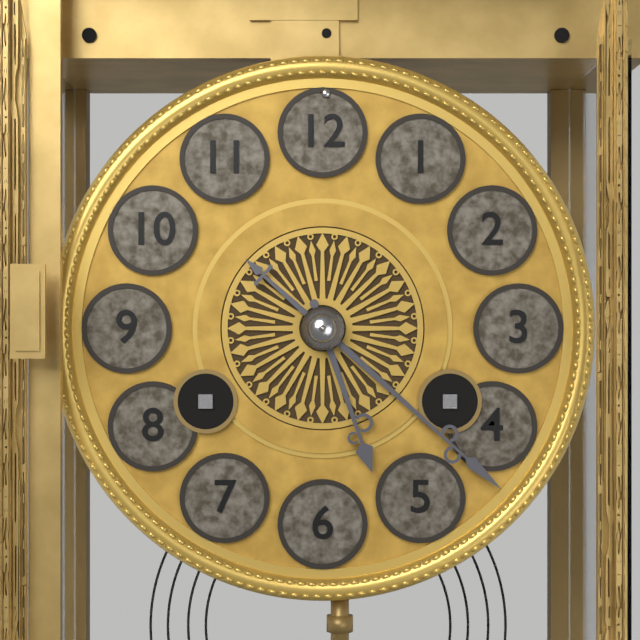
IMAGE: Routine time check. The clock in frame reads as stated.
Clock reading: 5:22
